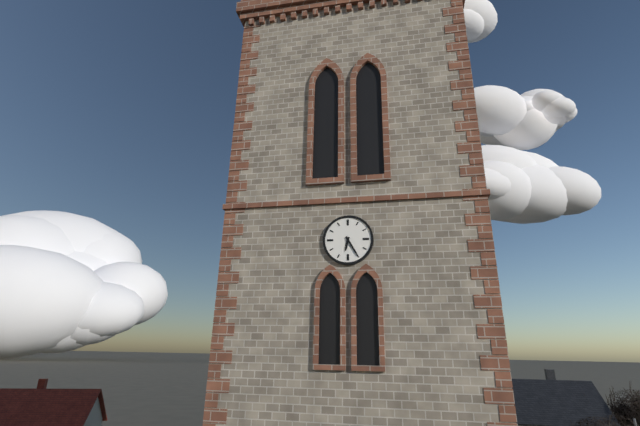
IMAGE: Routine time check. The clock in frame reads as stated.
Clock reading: 6:25
